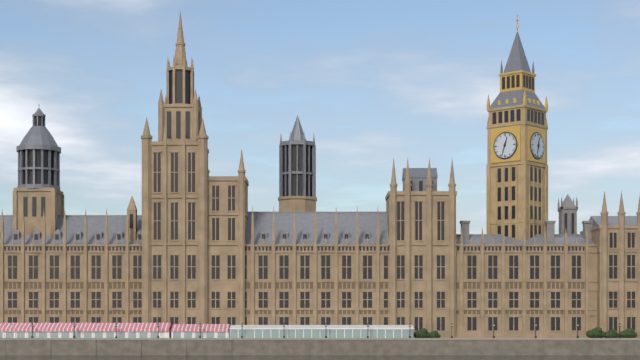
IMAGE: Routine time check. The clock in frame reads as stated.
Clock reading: 12:33
